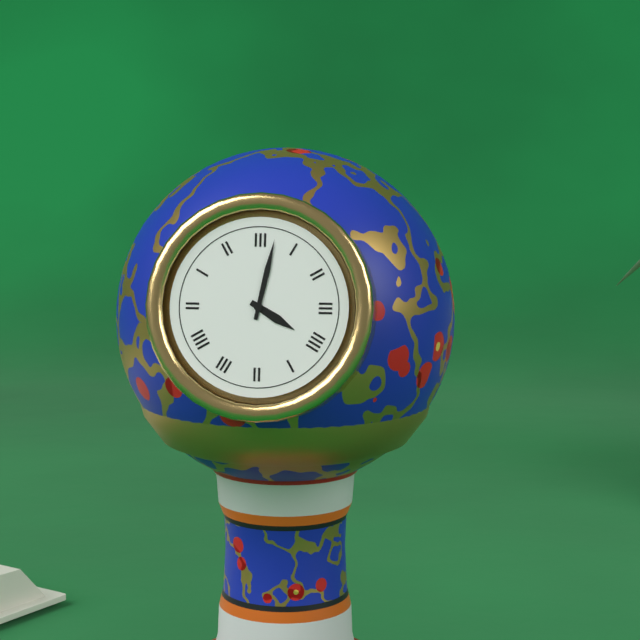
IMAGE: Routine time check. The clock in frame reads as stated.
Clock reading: 4:02
